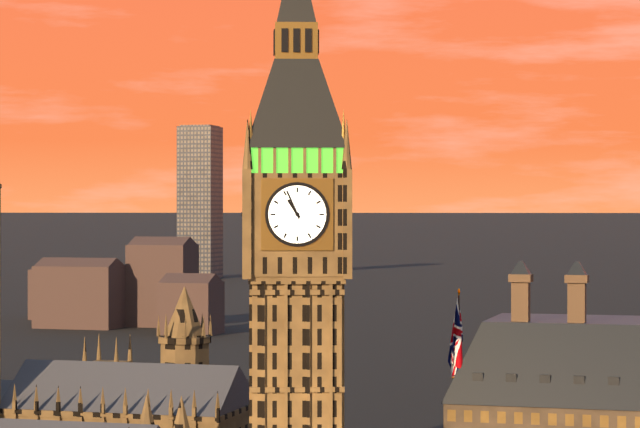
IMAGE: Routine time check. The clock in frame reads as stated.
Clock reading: 10:56
